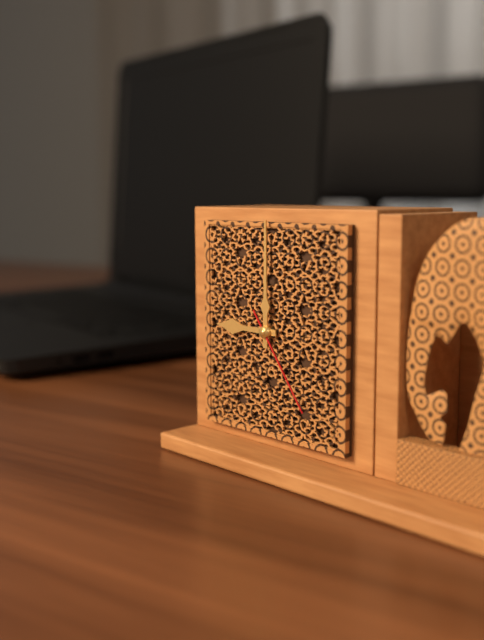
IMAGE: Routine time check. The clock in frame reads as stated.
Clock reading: 9:00:24
